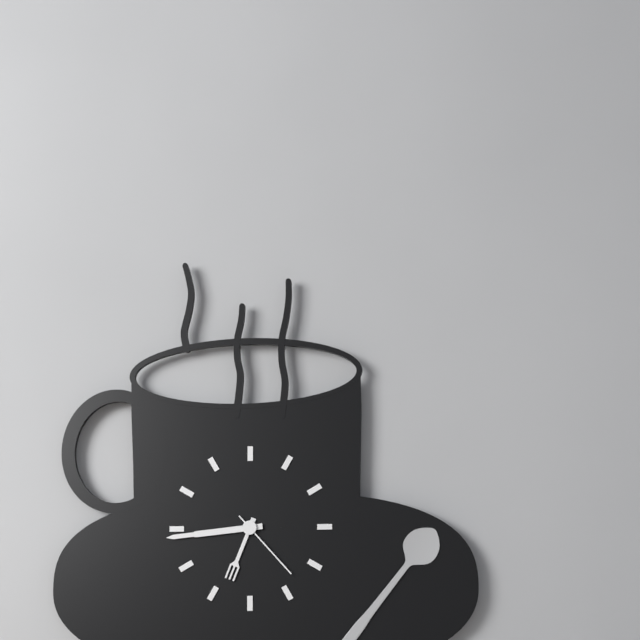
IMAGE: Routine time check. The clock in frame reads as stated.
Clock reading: 6:44:23
